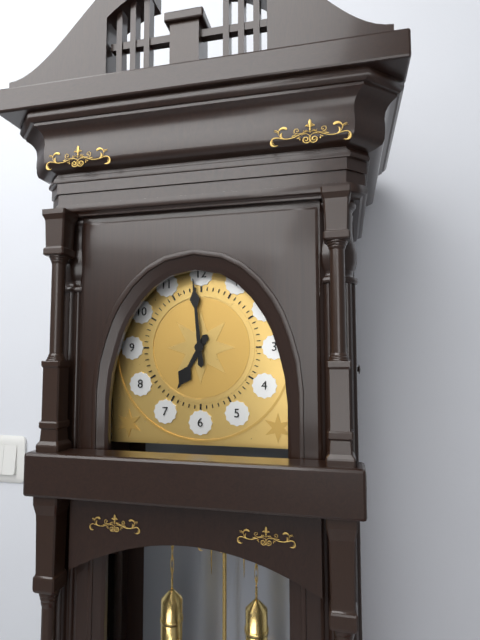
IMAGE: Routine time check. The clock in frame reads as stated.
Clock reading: 6:59
